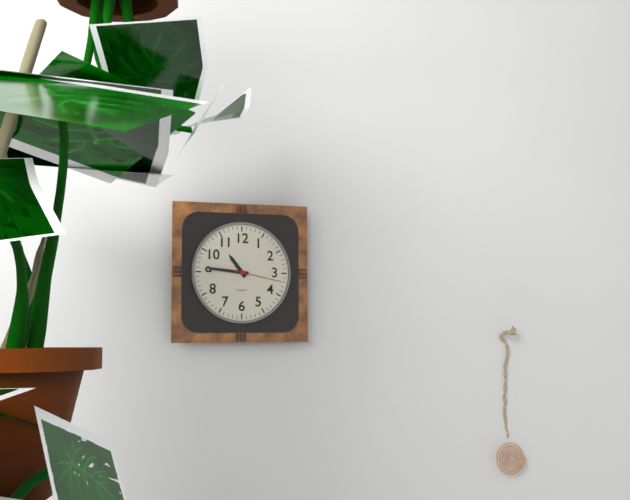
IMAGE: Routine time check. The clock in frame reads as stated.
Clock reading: 10:46:17
